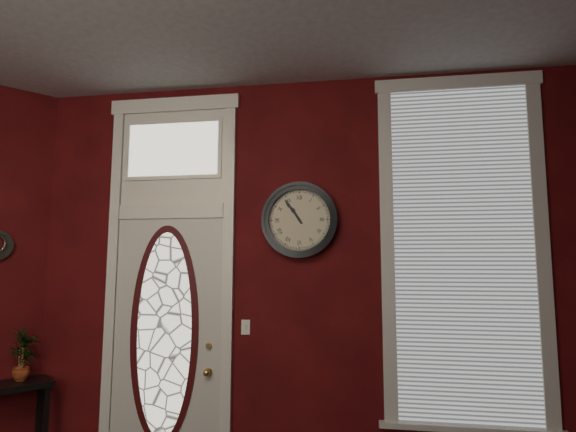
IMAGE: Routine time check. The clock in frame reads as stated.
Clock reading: 10:54
